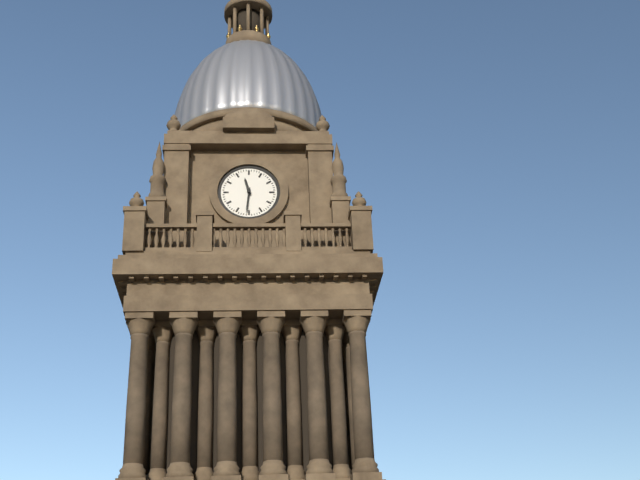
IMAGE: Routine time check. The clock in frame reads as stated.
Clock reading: 11:31
